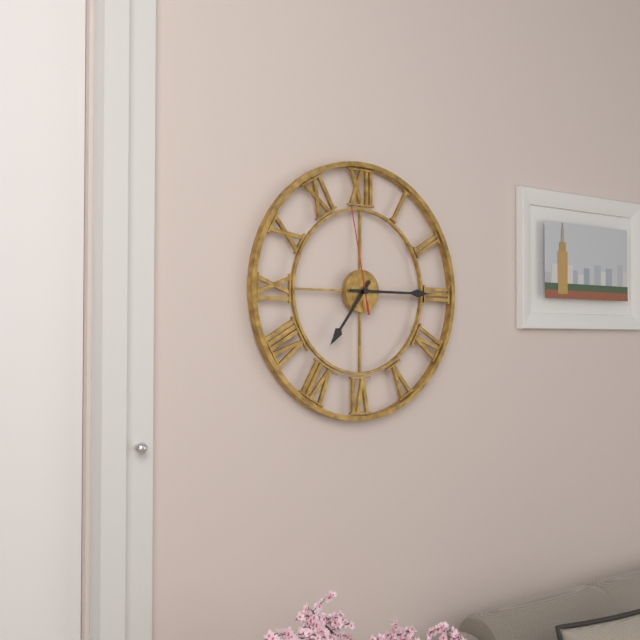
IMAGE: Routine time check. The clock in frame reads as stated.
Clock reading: 7:15:58
